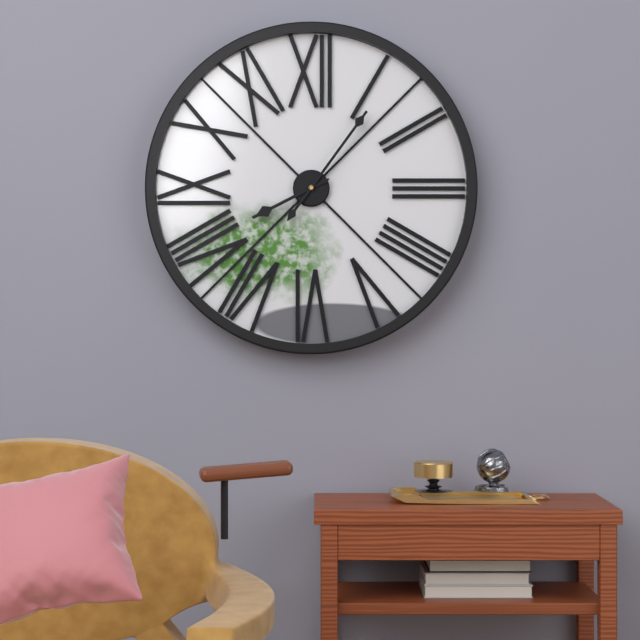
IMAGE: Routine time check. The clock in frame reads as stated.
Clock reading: 8:06
